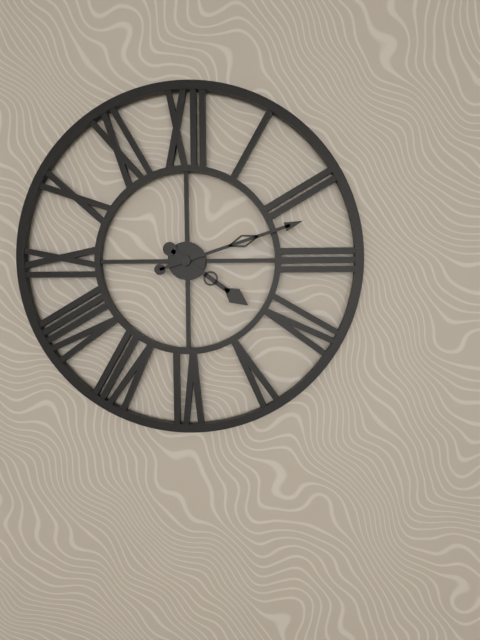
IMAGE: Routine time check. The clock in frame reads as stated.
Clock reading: 4:12
